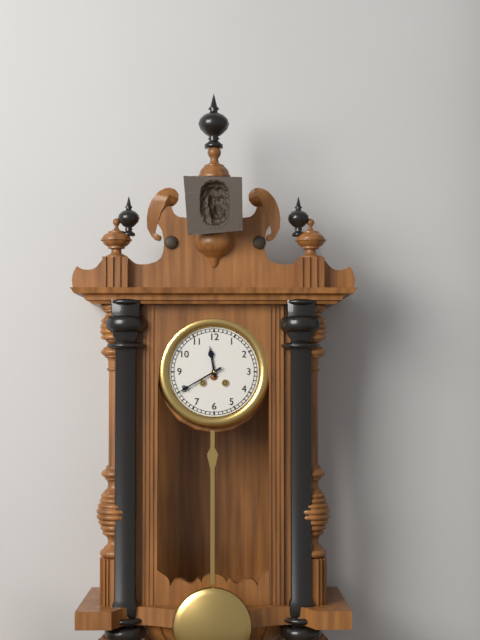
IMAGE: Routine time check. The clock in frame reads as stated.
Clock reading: 11:40
